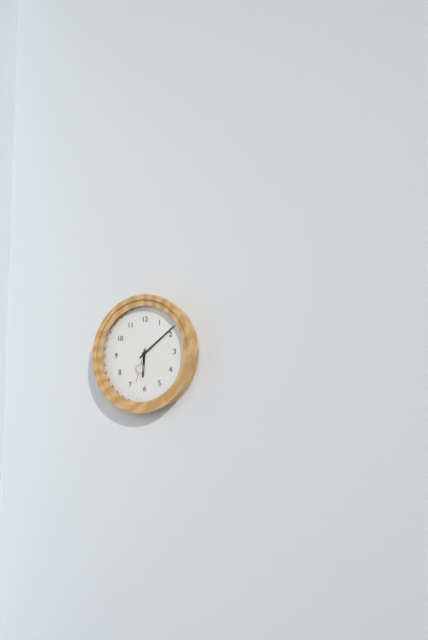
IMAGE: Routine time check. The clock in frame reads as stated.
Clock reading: 6:09
